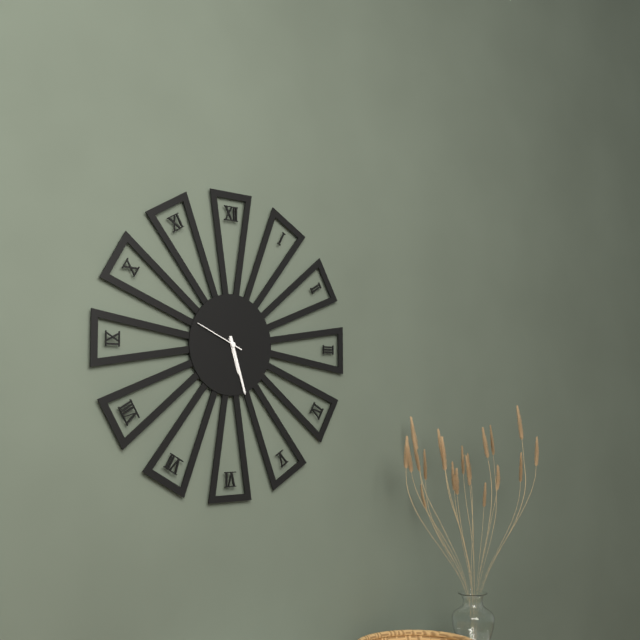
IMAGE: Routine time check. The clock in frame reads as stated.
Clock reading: 5:27:49
